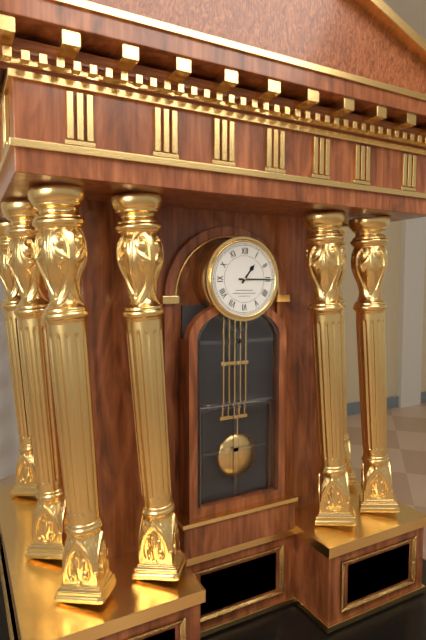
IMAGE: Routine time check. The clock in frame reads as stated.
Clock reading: 1:15
